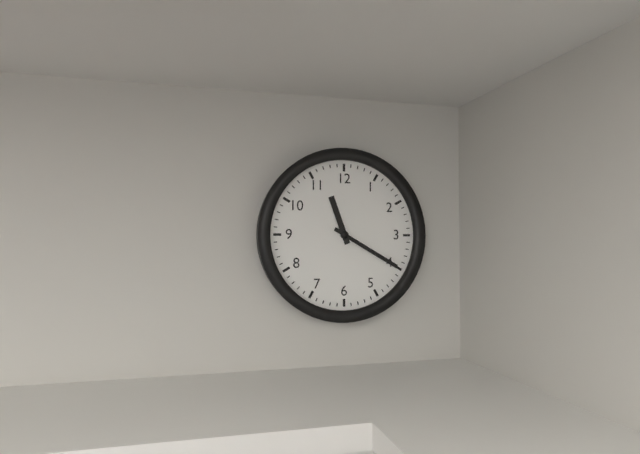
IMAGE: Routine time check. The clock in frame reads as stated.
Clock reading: 11:20
